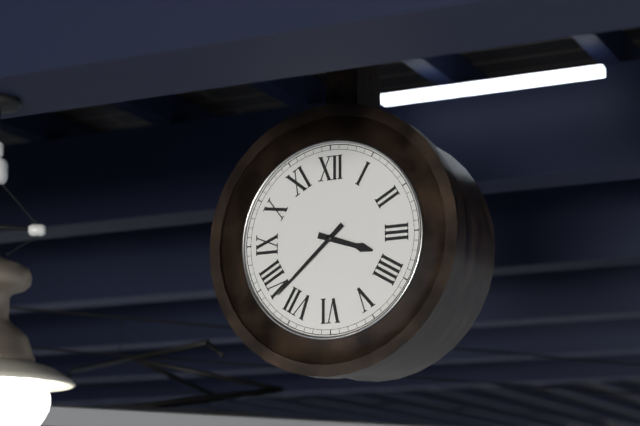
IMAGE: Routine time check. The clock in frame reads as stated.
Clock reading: 3:38
